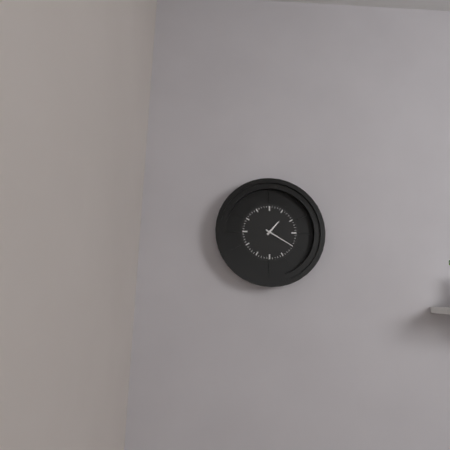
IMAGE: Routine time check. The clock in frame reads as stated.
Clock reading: 1:20
